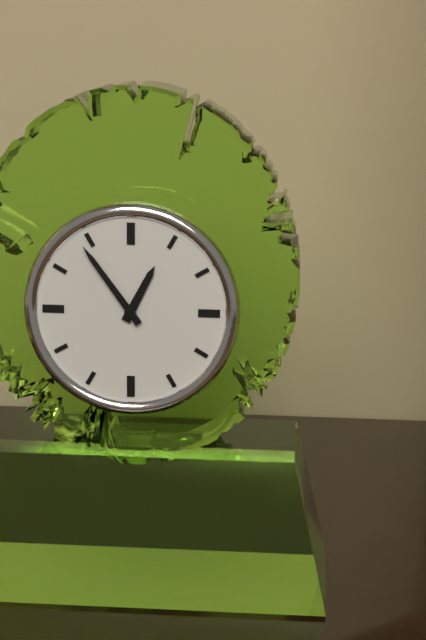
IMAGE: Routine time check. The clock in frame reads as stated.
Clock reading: 12:54
